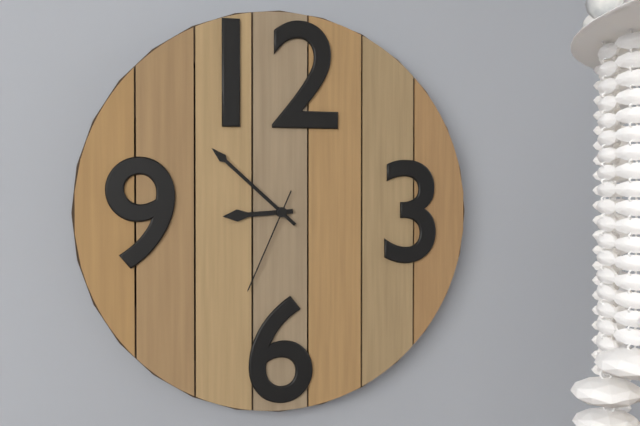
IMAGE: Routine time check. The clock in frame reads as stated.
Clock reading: 8:52:34
